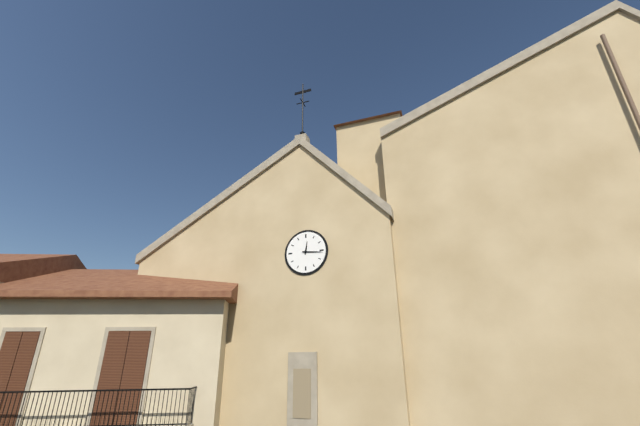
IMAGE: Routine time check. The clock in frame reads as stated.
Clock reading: 12:16
